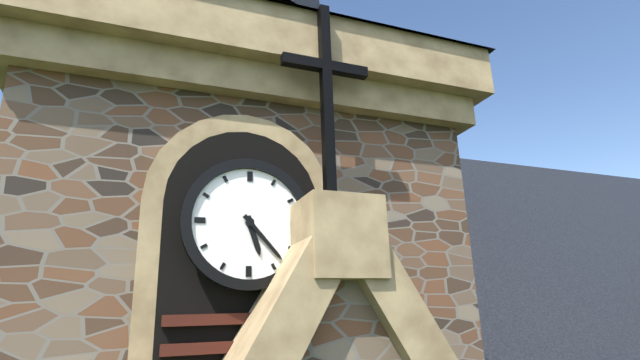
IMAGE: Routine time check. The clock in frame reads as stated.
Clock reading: 5:23
